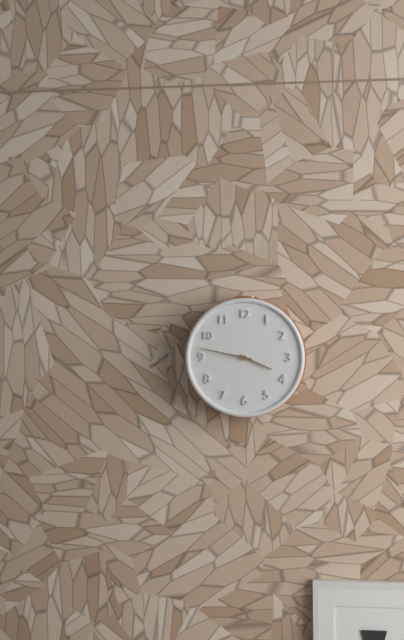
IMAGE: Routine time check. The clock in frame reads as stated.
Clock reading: 3:47
